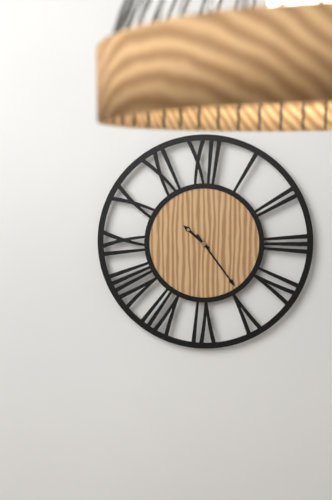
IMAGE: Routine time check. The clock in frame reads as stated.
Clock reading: 10:24
